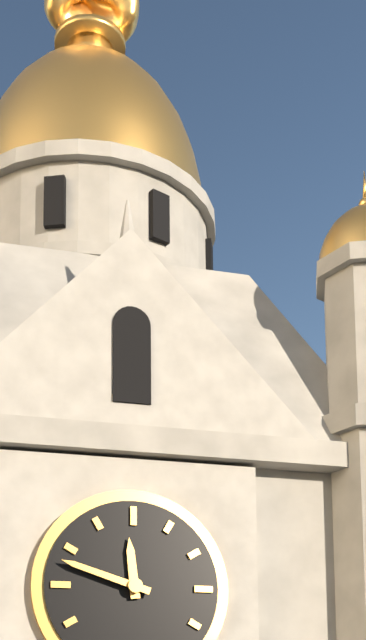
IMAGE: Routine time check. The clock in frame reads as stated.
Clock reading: 11:48
